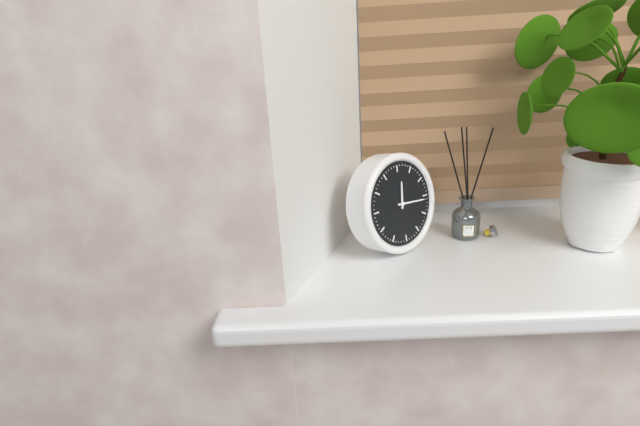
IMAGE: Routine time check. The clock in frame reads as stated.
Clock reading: 12:16
